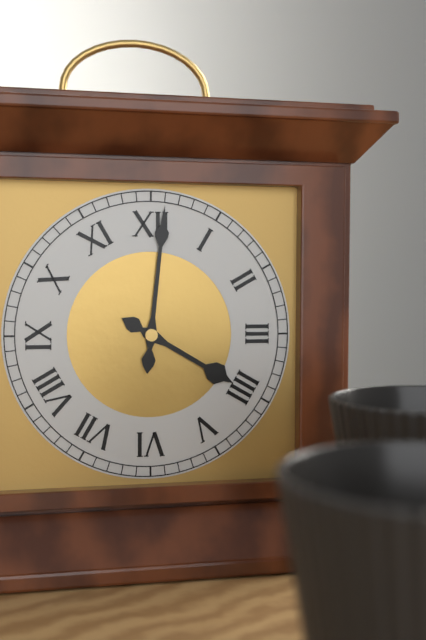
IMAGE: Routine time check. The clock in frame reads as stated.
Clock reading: 4:01
